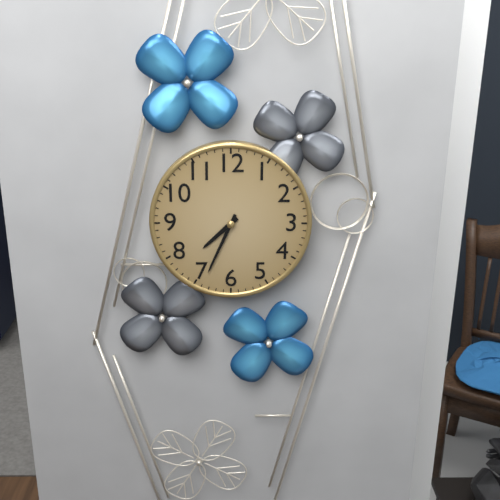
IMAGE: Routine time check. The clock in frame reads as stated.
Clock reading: 7:34
